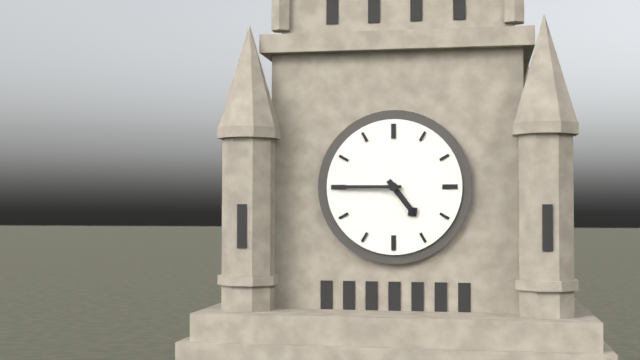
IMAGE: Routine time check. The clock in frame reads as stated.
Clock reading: 4:45
